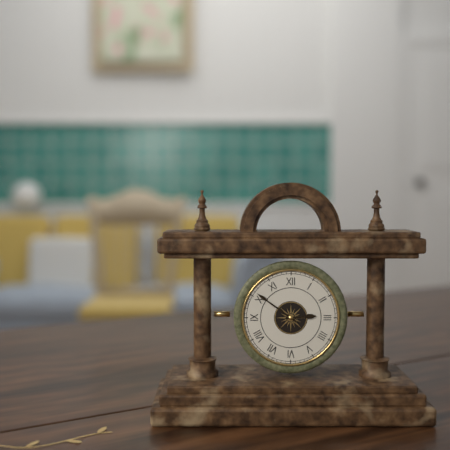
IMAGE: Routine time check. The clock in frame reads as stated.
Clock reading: 2:51
